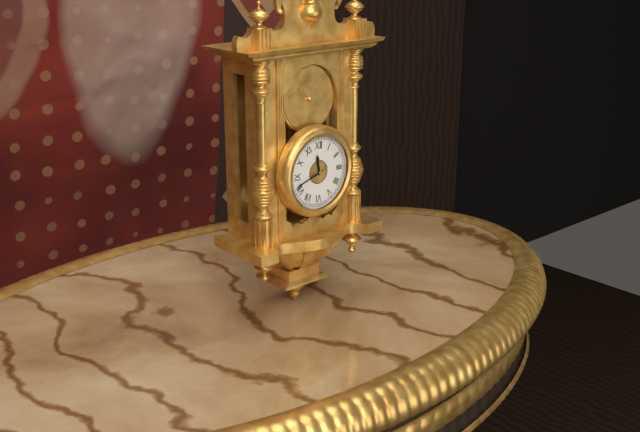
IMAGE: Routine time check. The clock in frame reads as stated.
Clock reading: 11:42
